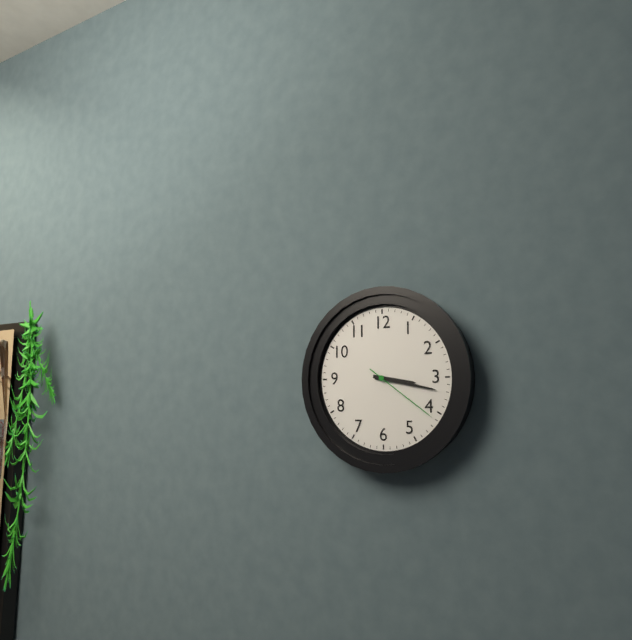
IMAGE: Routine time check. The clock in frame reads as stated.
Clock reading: 3:17:21
